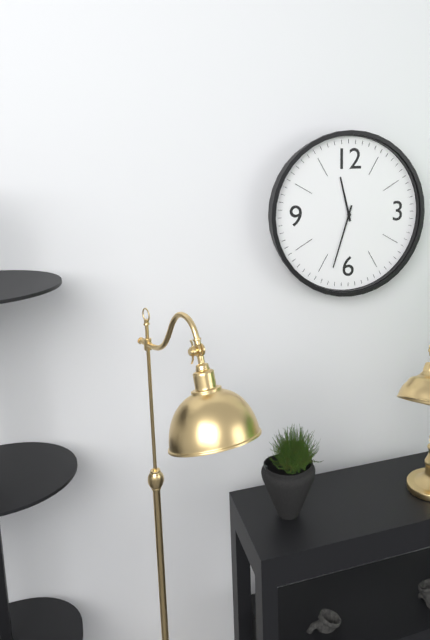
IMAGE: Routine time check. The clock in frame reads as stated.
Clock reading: 11:33
